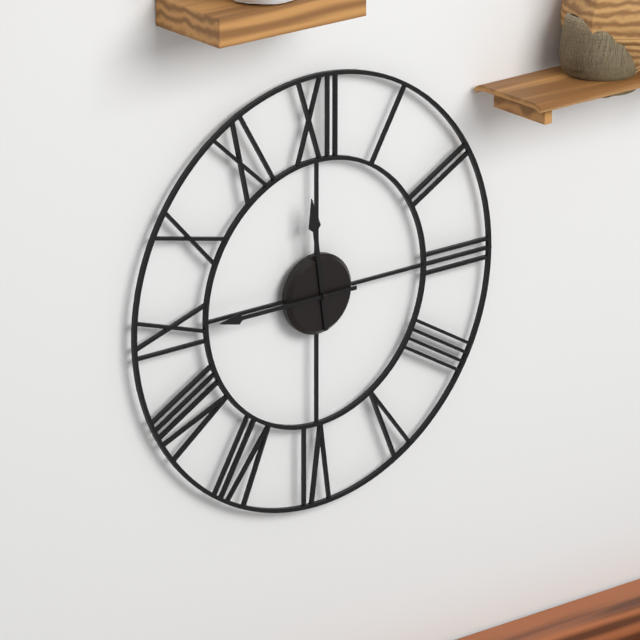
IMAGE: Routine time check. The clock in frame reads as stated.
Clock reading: 11:45
